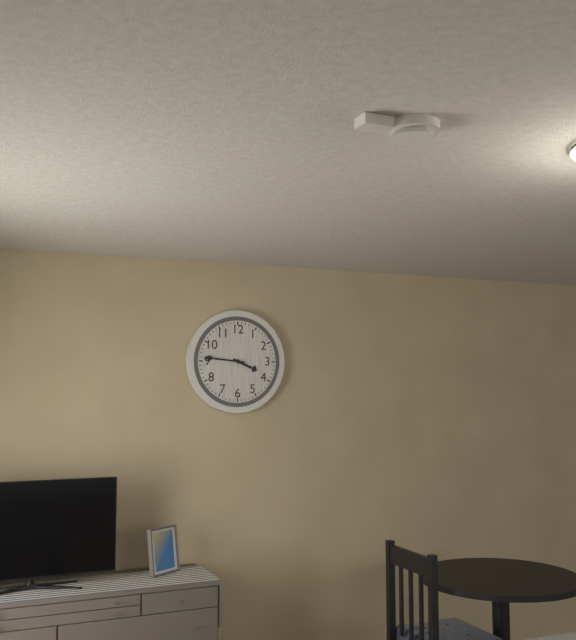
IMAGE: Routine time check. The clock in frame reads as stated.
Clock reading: 3:46
